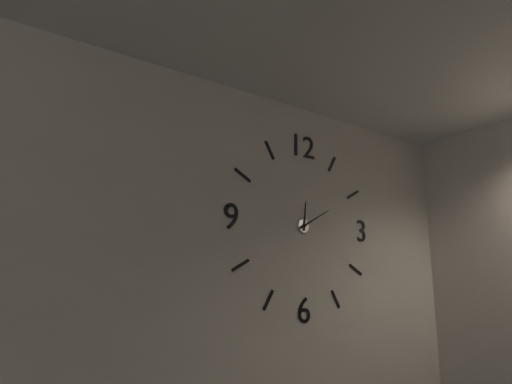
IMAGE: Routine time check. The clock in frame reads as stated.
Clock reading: 12:10
